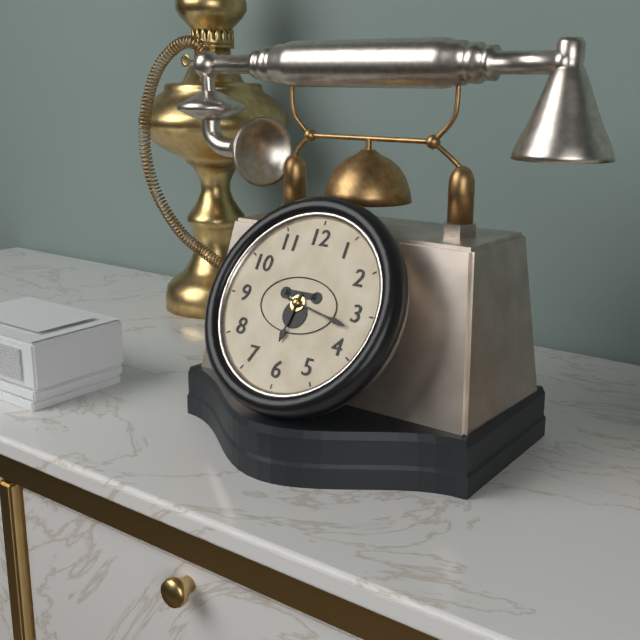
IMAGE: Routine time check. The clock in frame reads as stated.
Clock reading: 6:17
